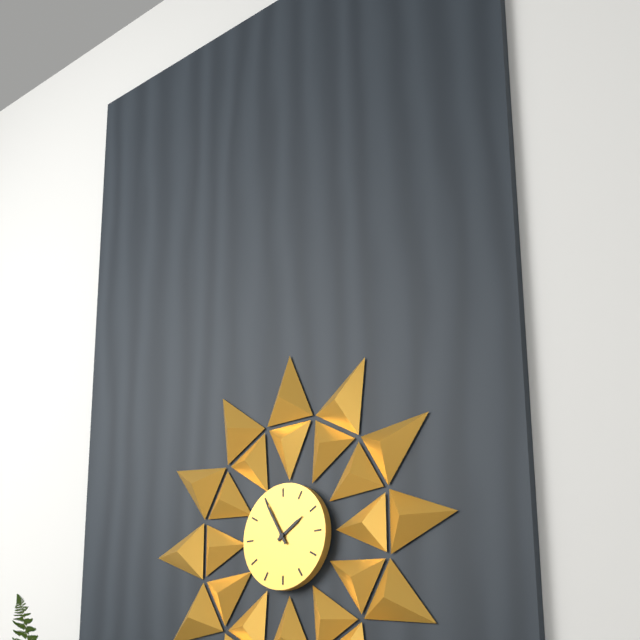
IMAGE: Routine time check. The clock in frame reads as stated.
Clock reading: 1:55
